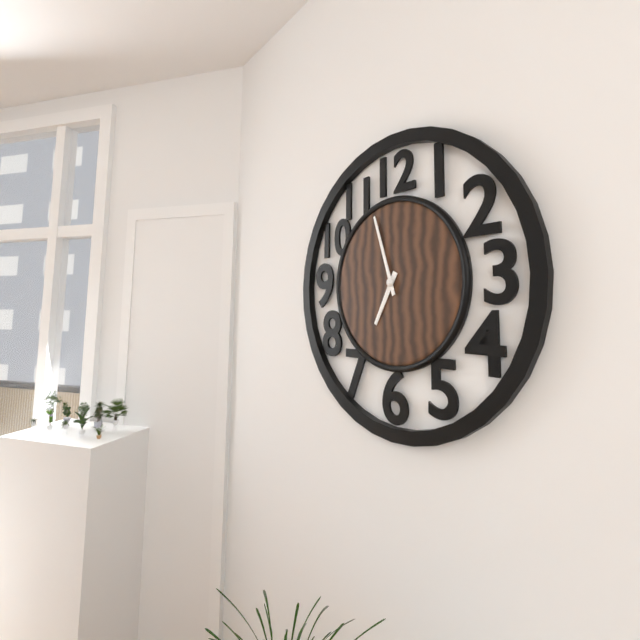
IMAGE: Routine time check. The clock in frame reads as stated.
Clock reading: 6:57
